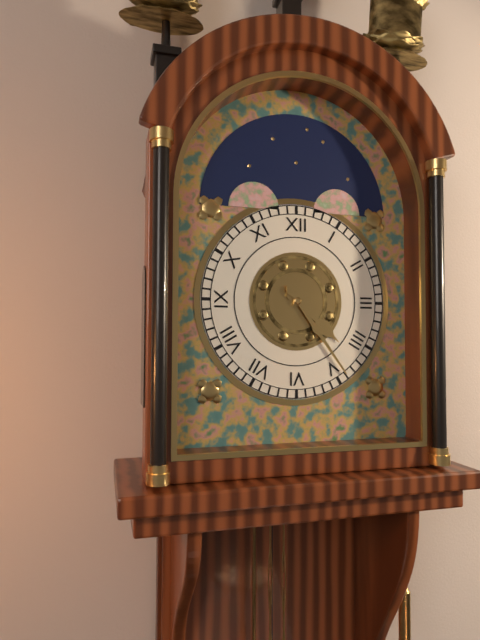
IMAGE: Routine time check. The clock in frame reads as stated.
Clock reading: 4:24
